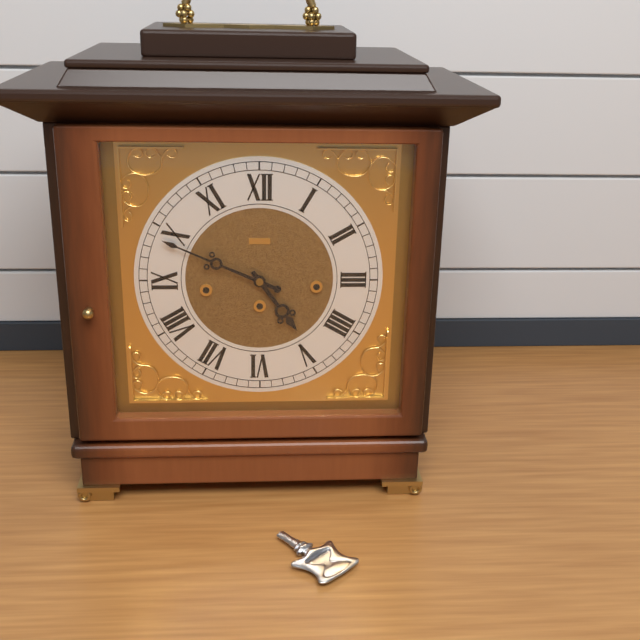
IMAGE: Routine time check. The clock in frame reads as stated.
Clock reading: 4:49
